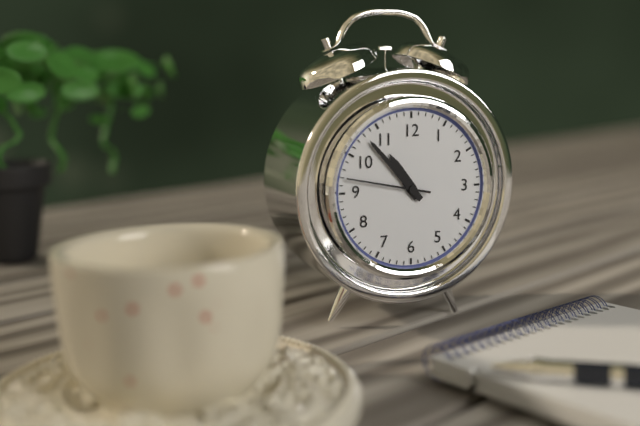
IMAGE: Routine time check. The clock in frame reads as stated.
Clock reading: 10:53:47
